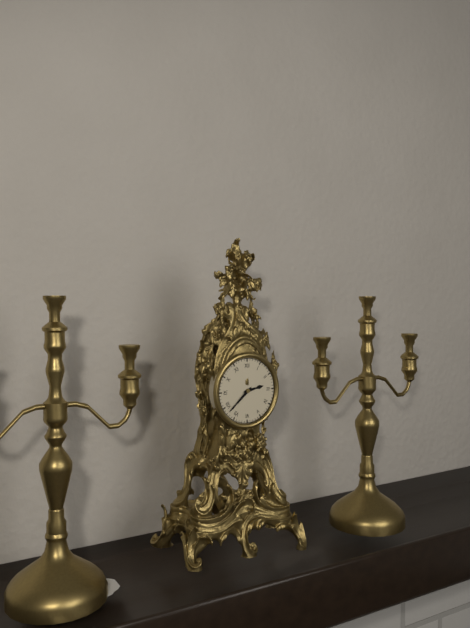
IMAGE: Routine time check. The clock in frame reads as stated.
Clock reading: 2:38
